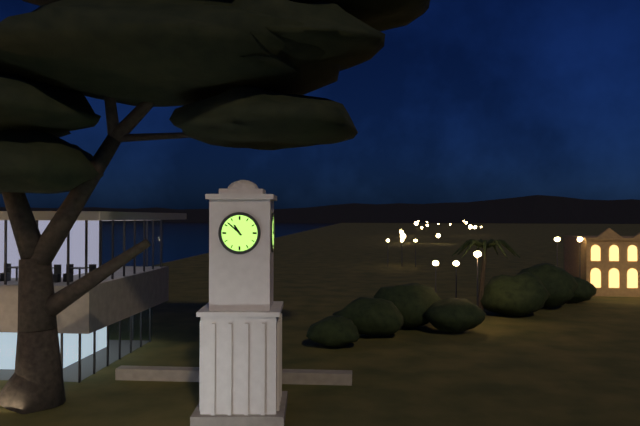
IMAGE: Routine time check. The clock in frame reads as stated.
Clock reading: 10:52
